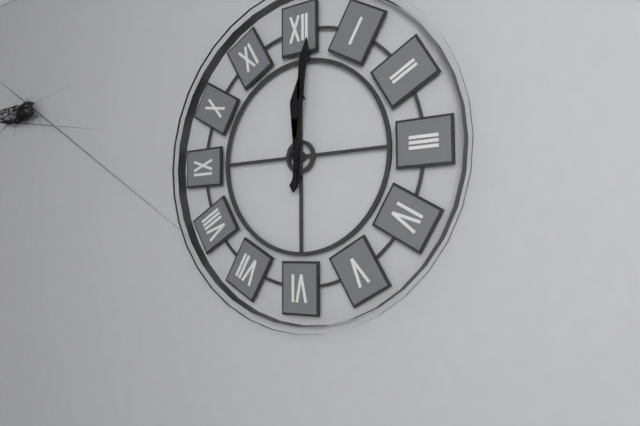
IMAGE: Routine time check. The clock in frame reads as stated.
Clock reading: 12:01
